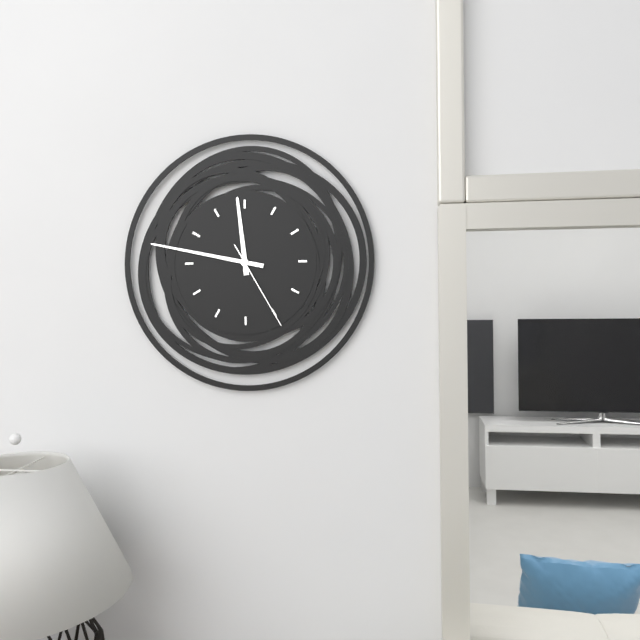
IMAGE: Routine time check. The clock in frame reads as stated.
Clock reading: 11:47:25
